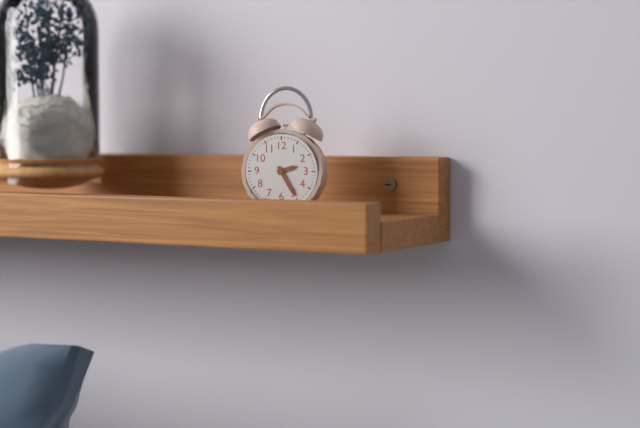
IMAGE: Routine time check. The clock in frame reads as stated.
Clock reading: 2:25
